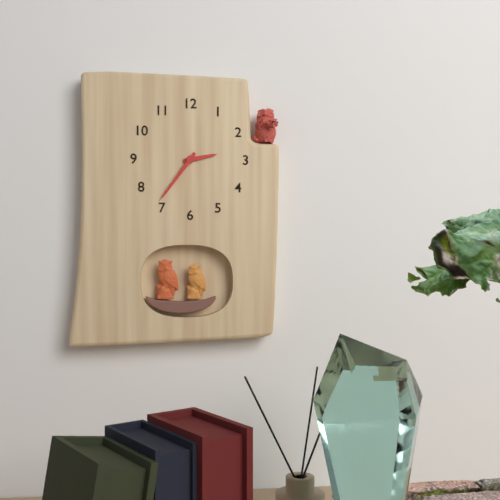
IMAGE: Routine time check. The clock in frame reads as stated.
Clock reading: 2:36
